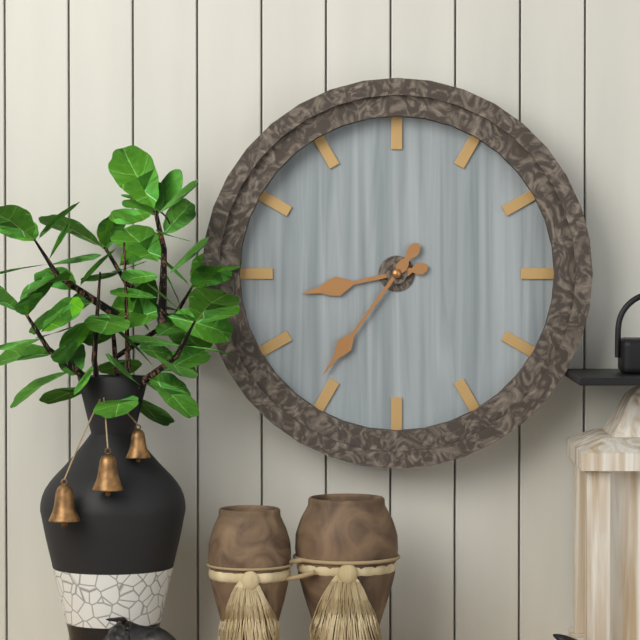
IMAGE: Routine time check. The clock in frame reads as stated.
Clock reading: 8:36
